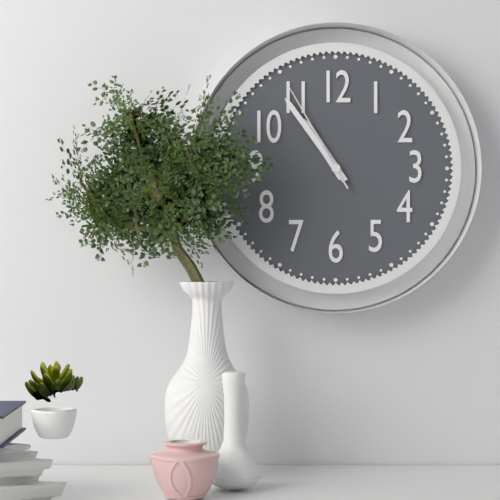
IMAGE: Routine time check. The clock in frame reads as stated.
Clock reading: 10:54:55
